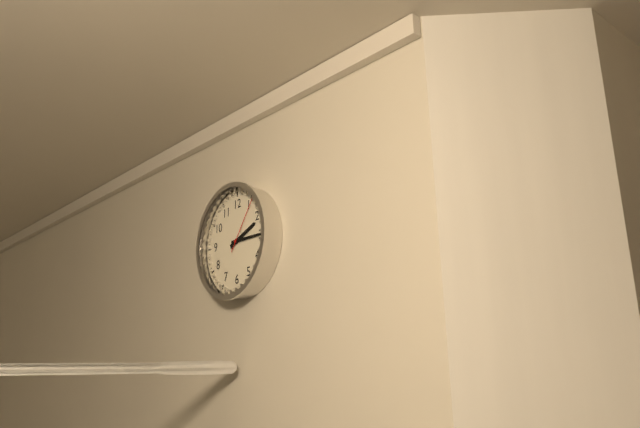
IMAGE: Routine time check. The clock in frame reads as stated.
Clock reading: 2:15:06
